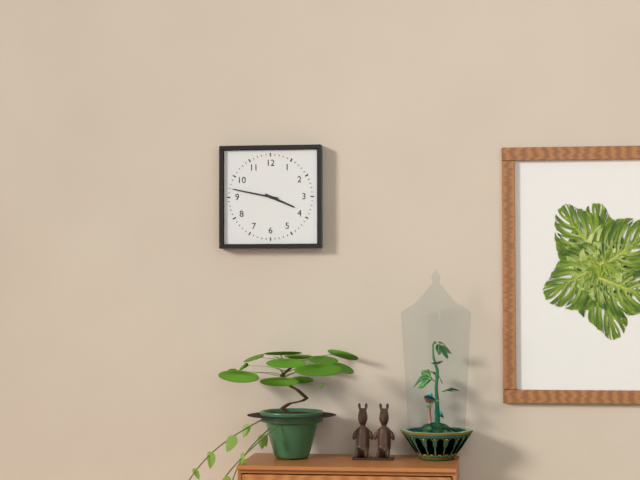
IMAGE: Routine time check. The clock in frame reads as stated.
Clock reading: 3:47
